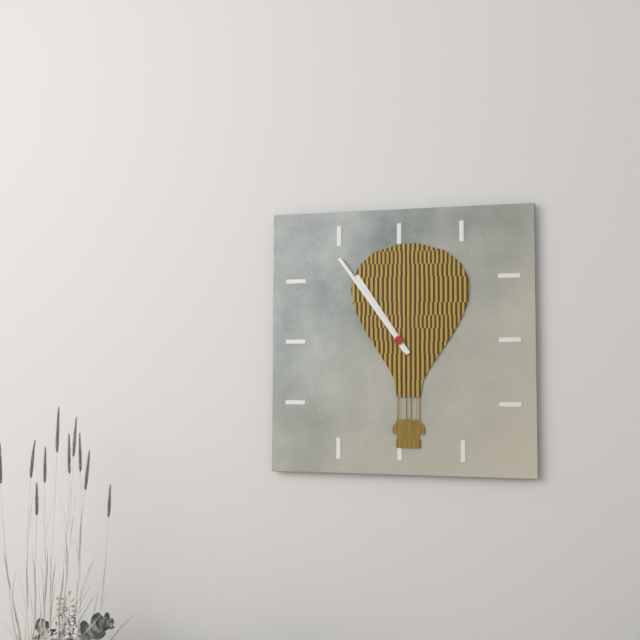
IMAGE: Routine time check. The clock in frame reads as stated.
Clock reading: 10:54
